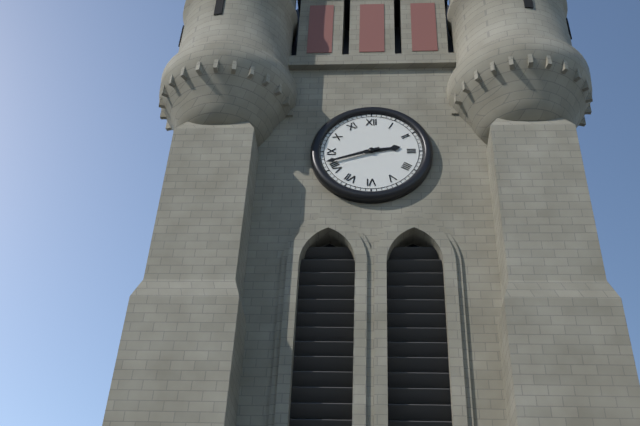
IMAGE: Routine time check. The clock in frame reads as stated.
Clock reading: 2:42
